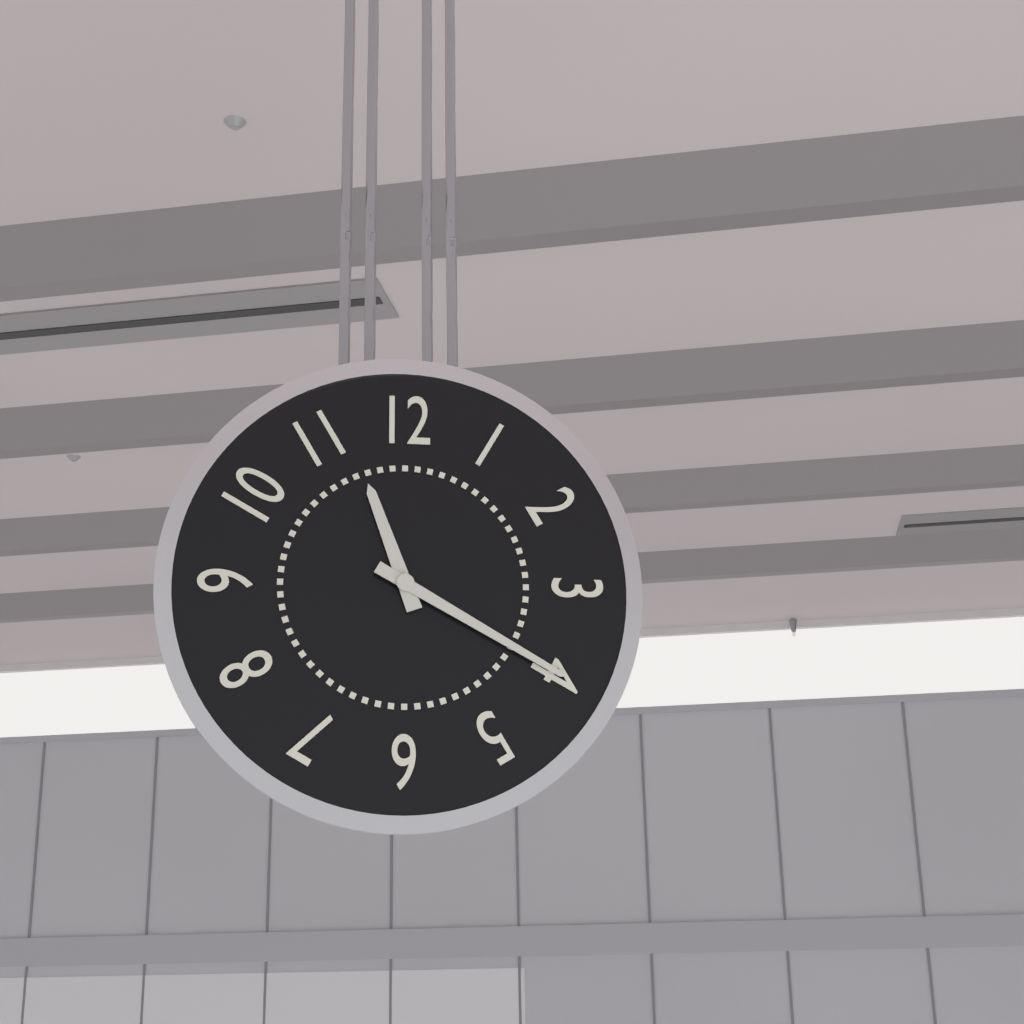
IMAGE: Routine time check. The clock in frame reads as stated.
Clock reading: 11:20
